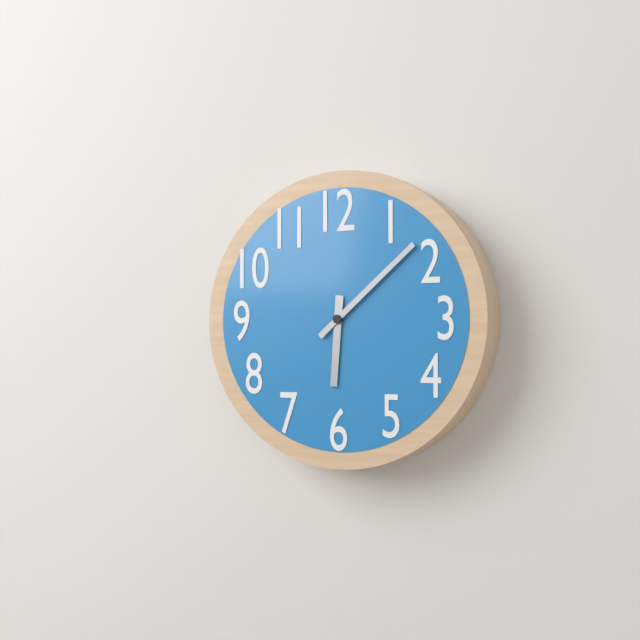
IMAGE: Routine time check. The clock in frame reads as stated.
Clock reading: 6:08
